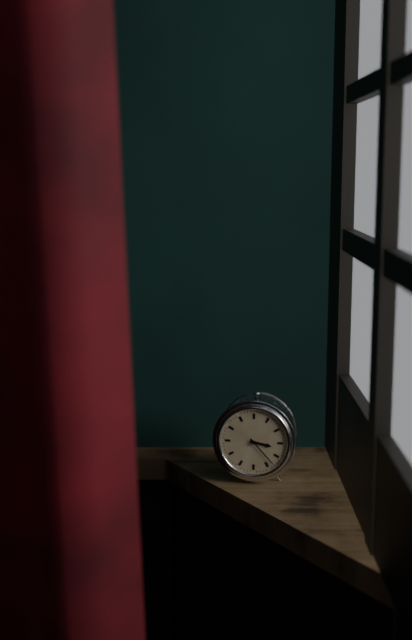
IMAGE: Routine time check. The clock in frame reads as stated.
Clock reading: 3:23
